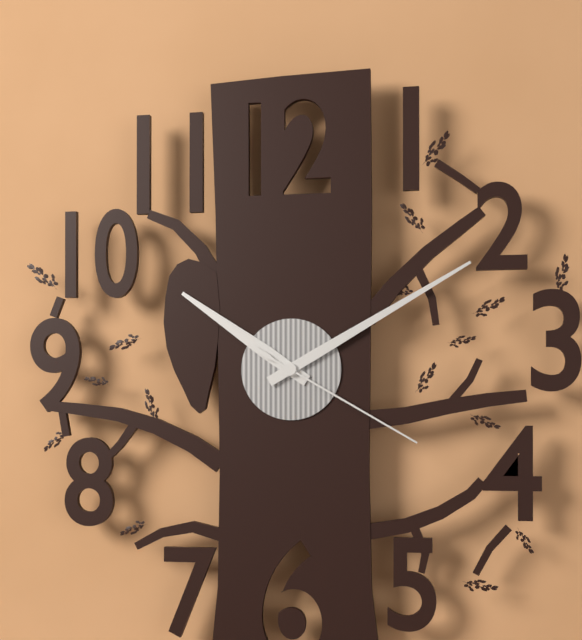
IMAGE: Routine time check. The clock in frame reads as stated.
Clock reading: 10:10:20
